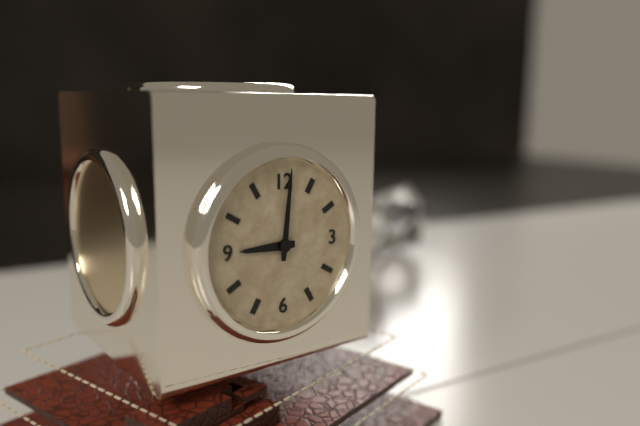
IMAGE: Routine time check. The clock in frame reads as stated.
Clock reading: 9:01
